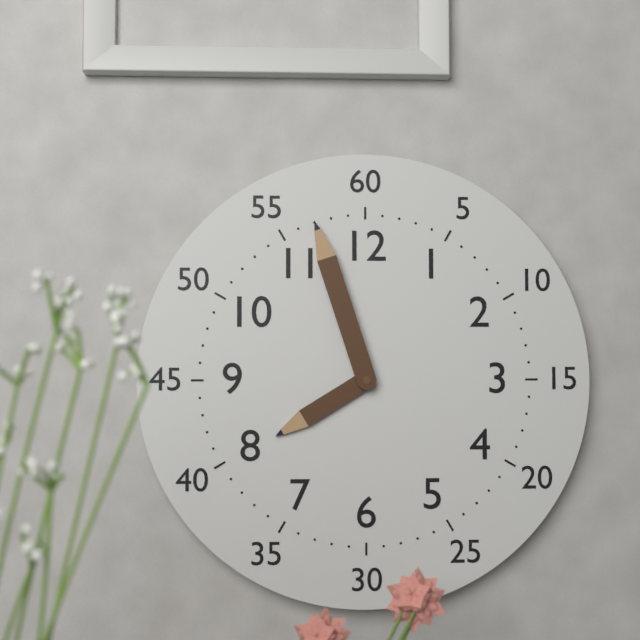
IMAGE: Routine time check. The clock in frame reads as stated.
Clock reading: 7:57
